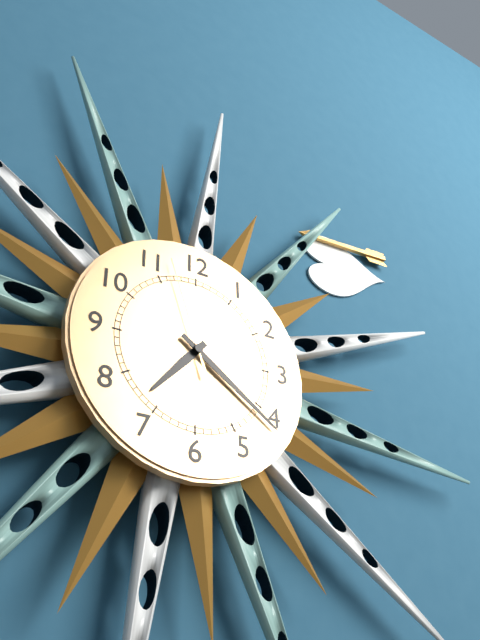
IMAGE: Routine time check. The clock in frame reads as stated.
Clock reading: 7:21:57
